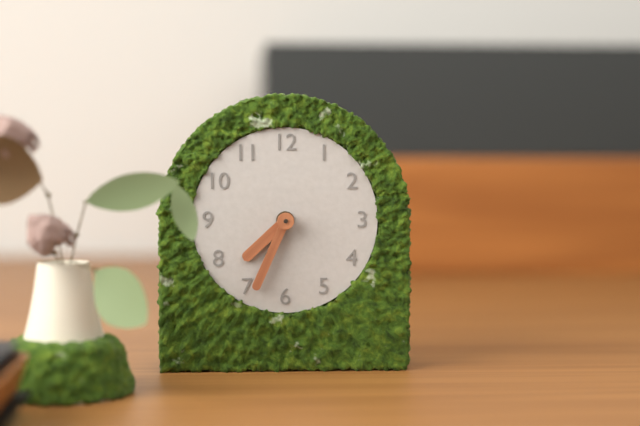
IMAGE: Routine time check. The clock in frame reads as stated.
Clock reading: 7:34
